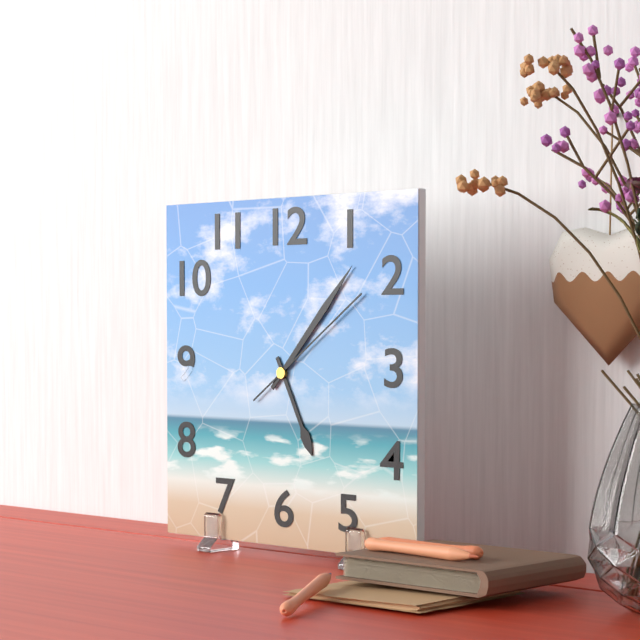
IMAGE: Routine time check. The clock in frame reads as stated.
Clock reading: 5:07:09
